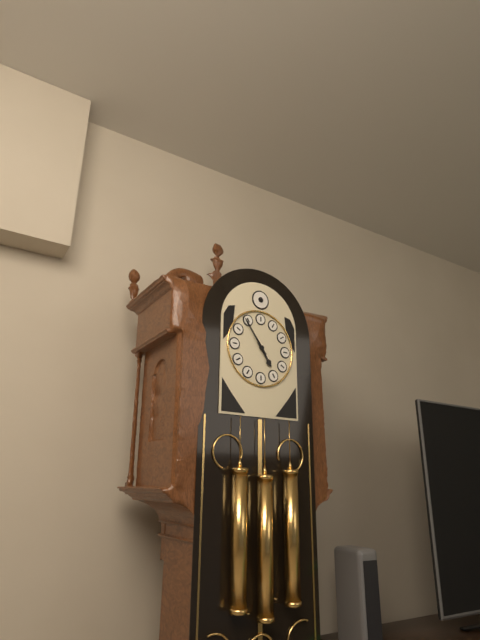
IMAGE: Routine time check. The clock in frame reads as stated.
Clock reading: 4:54
